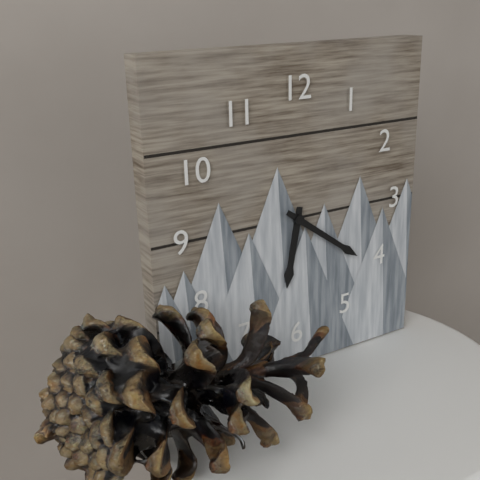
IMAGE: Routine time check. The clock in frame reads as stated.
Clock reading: 6:21
